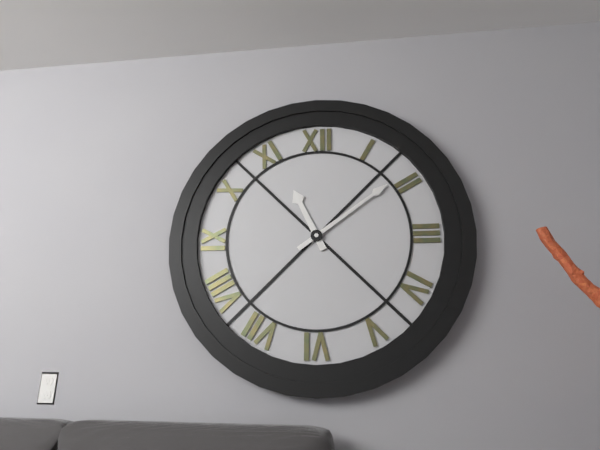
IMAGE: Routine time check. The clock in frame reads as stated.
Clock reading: 11:09
